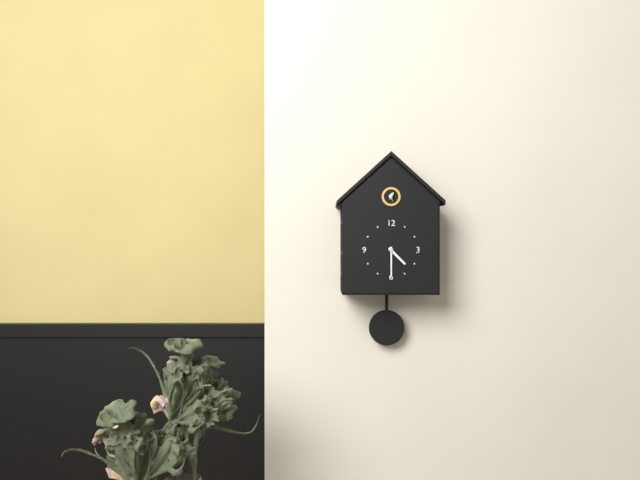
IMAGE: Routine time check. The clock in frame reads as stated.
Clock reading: 4:30
